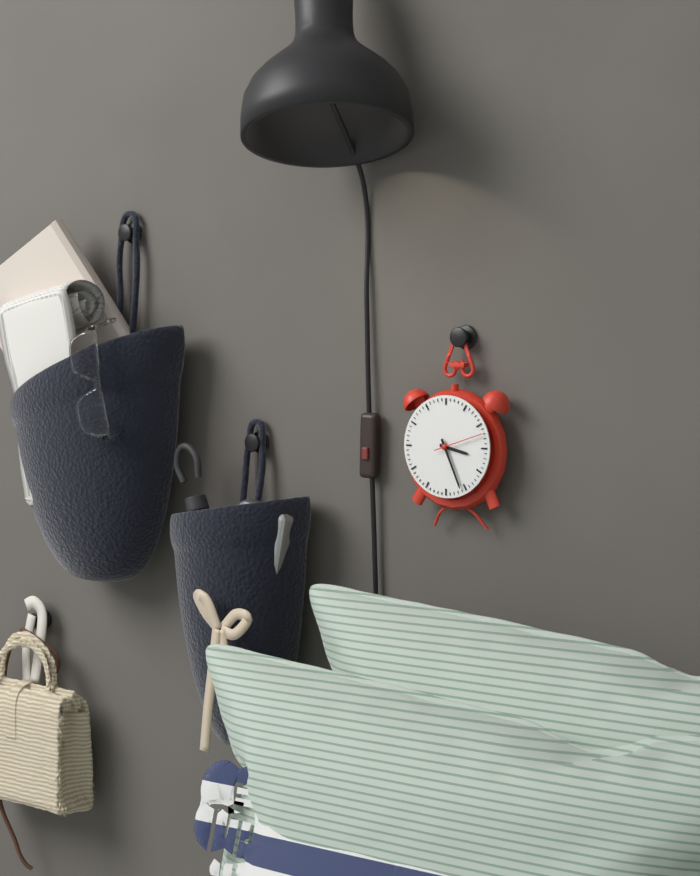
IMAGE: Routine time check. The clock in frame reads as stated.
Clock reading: 3:26
